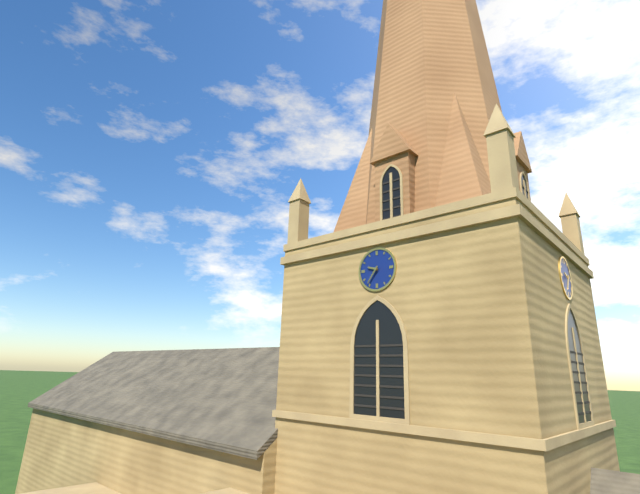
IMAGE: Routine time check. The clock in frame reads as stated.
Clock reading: 9:36
